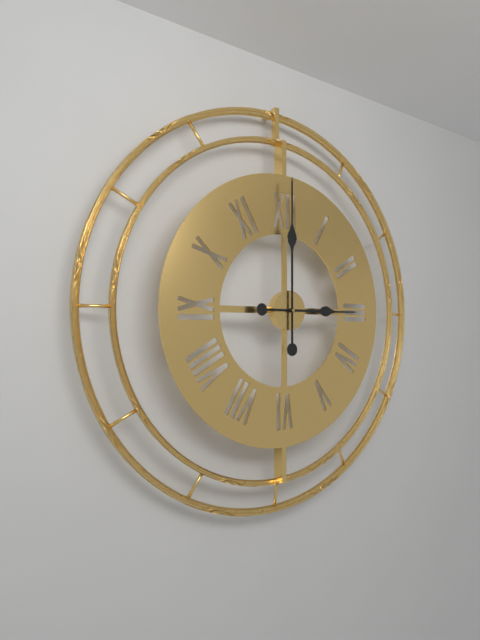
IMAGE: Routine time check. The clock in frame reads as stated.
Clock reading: 3:00
